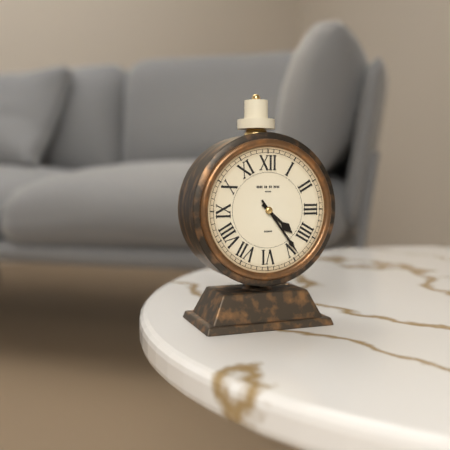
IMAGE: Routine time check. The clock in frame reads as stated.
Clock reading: 4:24
